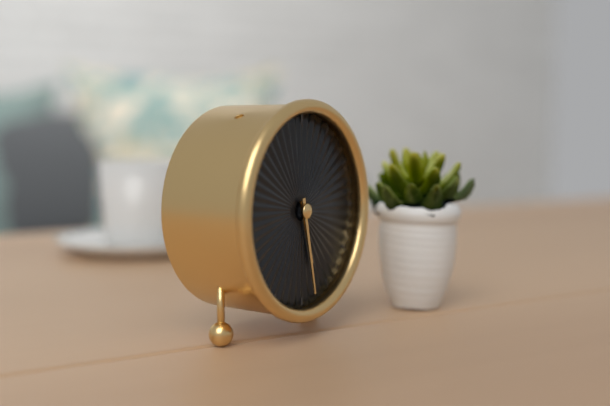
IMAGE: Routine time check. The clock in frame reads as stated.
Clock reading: 5:28
